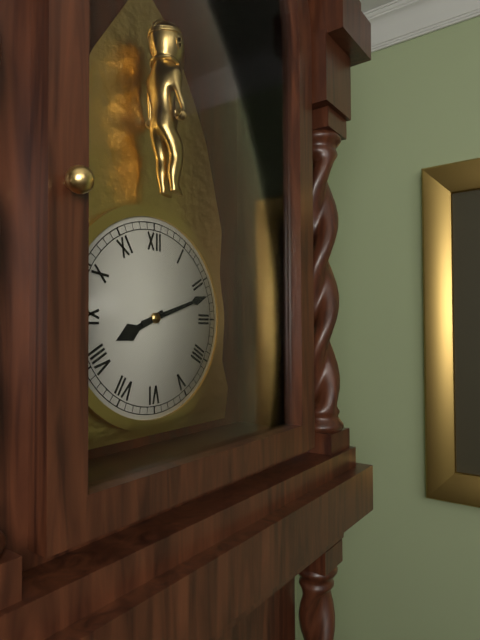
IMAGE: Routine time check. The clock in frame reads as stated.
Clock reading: 8:12
